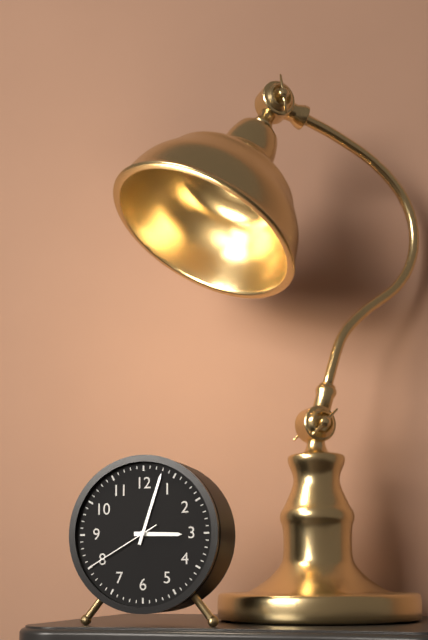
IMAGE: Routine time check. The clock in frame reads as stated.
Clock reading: 3:03:40
